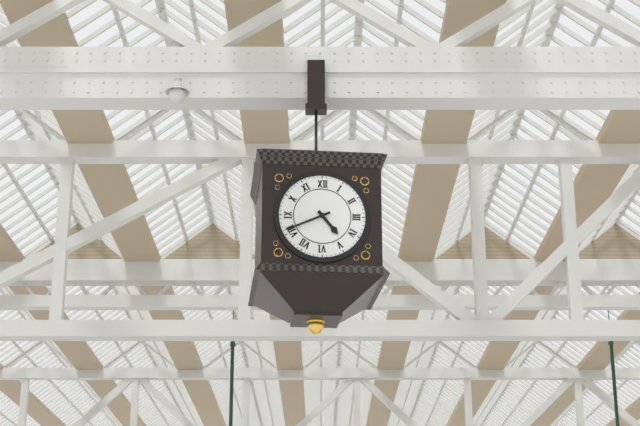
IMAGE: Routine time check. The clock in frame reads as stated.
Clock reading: 4:41
